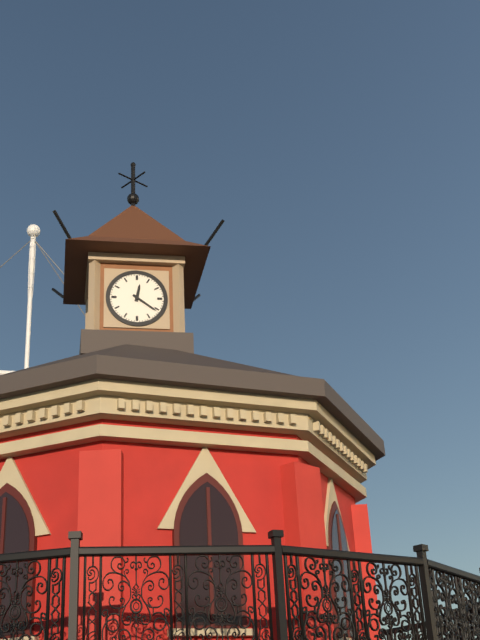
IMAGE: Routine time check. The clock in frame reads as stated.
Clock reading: 12:21
